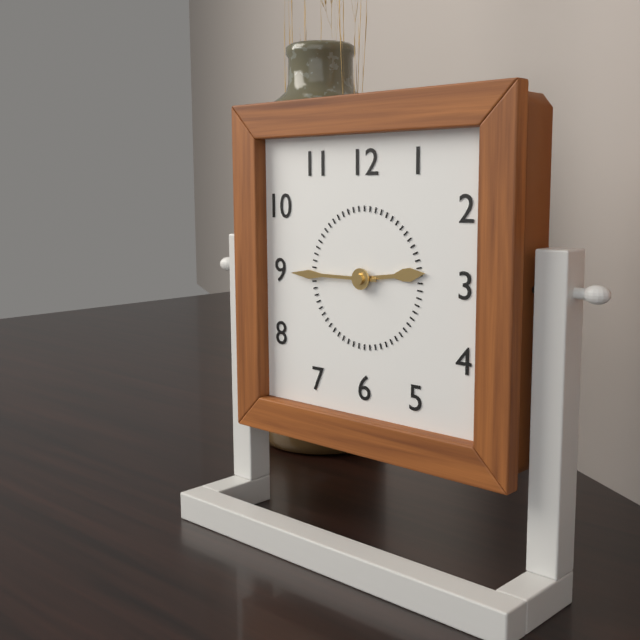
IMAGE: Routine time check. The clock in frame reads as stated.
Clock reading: 2:45
